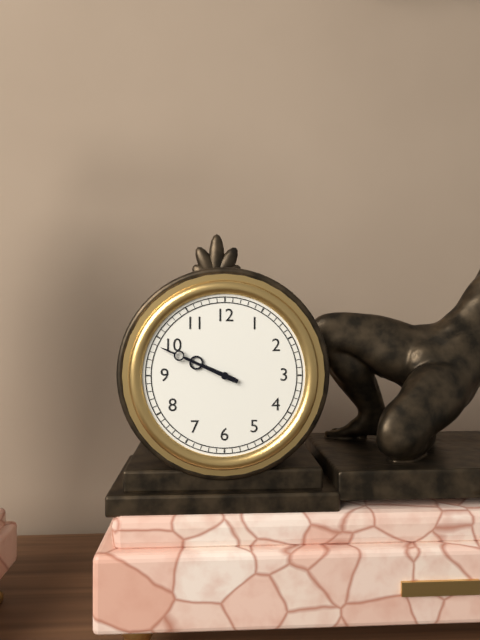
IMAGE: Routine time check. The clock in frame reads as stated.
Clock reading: 9:49
